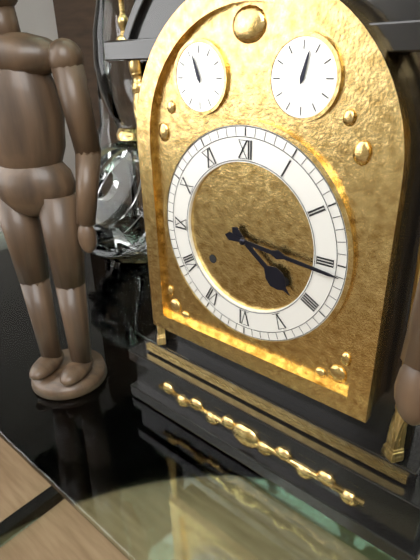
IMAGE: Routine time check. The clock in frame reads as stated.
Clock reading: 4:16
